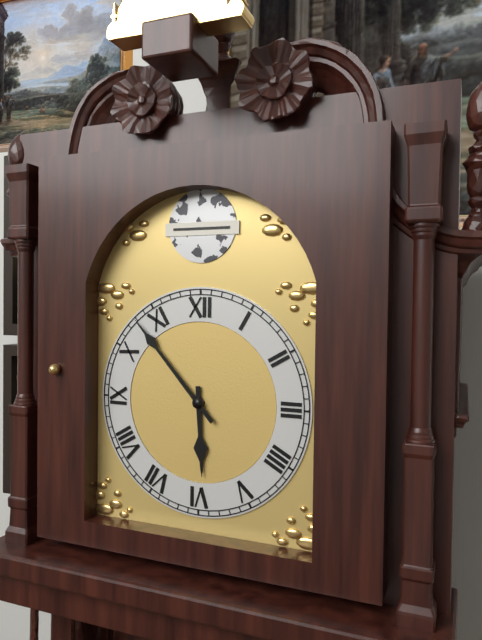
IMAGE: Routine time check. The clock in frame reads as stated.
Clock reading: 5:53
